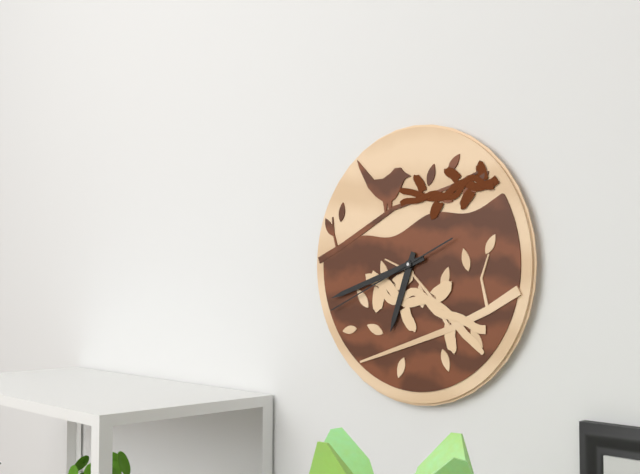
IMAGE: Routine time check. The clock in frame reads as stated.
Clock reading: 6:42:41
